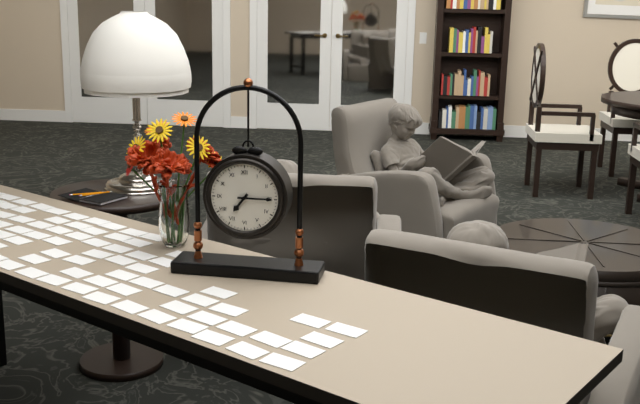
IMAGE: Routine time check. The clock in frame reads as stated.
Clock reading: 7:15
